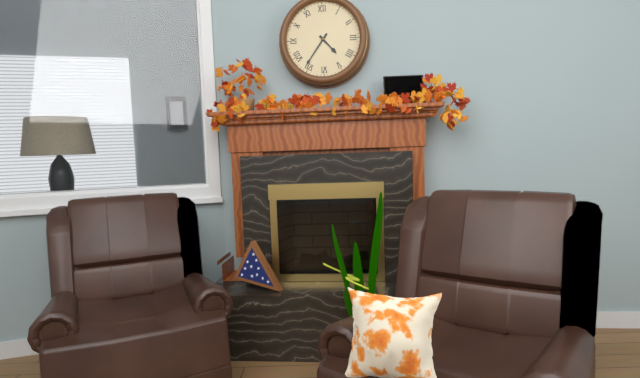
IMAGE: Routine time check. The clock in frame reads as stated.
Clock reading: 4:36
